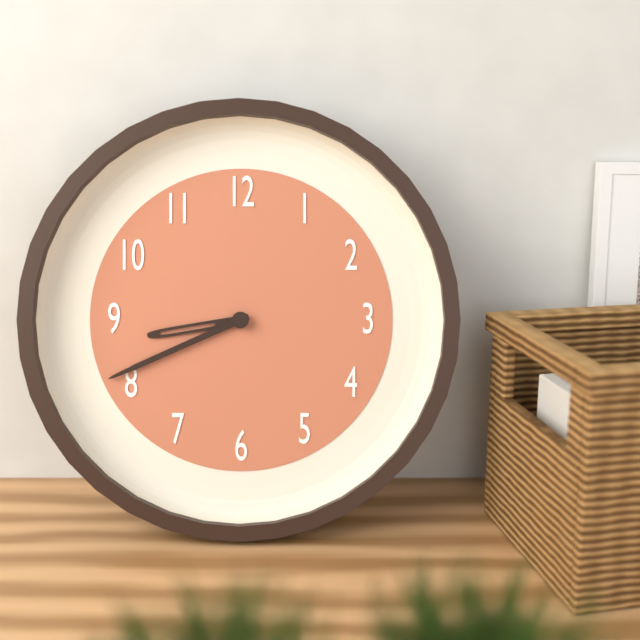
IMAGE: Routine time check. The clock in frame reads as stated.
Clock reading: 8:41
